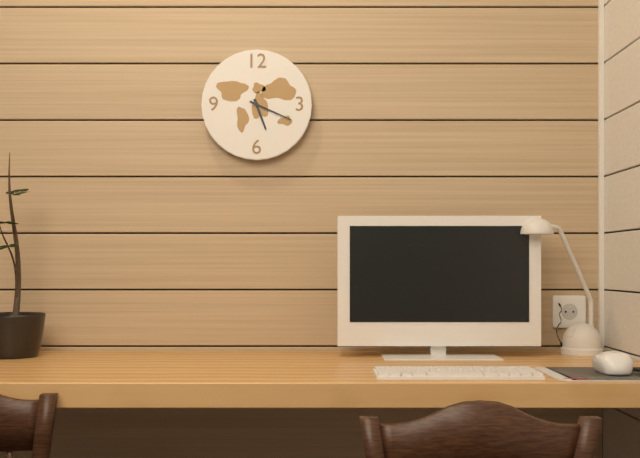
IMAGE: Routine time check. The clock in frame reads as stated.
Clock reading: 5:19
